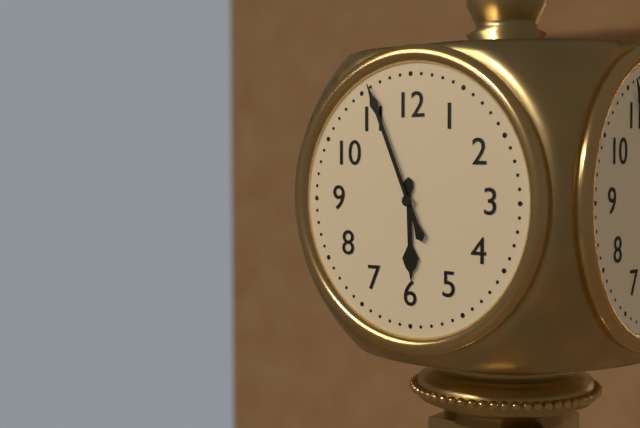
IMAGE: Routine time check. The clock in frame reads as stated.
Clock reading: 5:56
